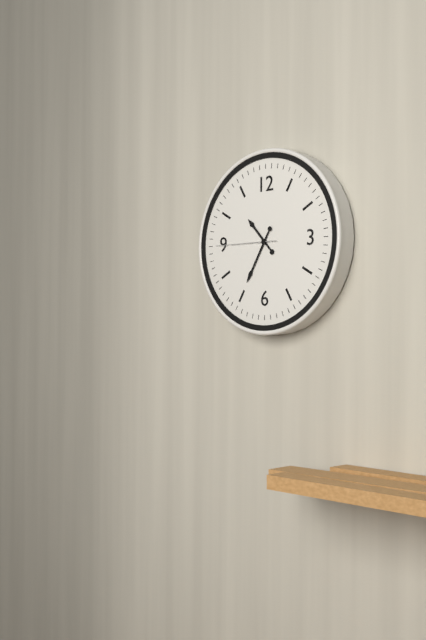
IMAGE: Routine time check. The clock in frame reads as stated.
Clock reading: 10:35:45
